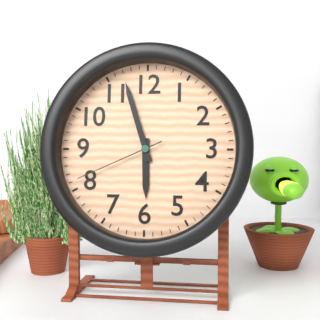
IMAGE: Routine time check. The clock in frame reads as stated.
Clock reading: 5:57:41
